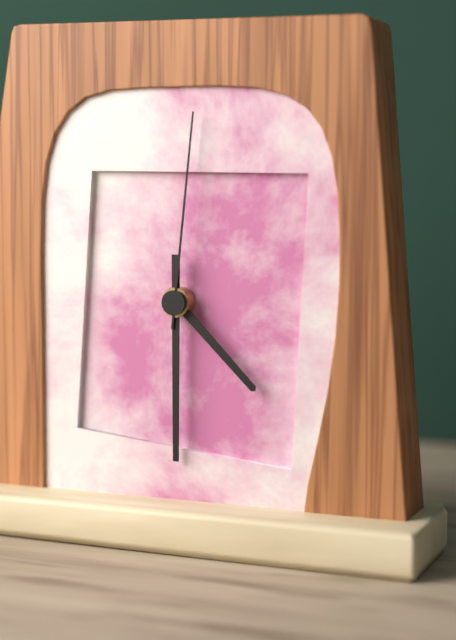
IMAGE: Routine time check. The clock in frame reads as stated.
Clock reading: 4:30:01
